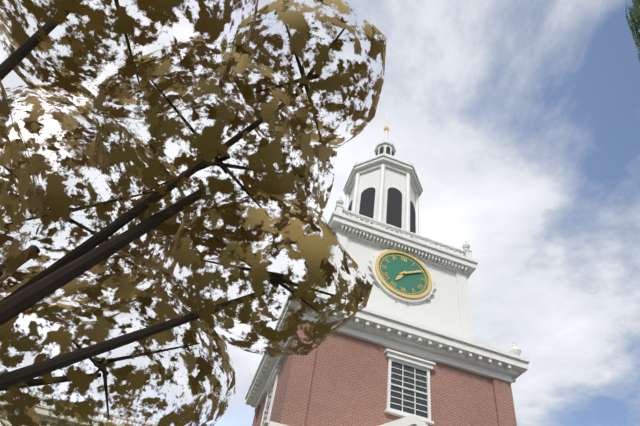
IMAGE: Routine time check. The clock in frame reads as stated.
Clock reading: 7:10
